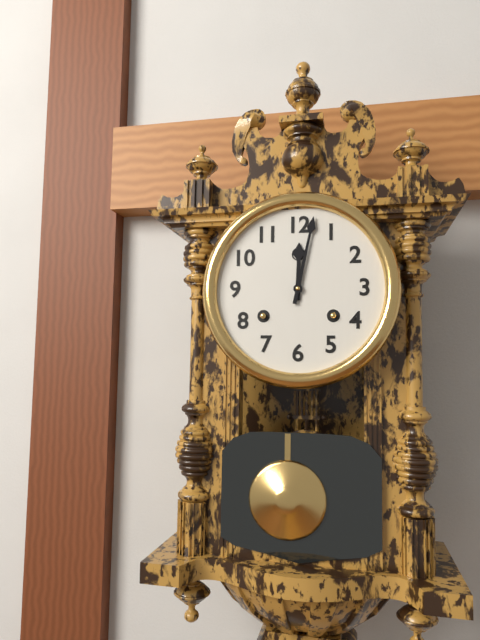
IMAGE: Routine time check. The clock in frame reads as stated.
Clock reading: 12:02
